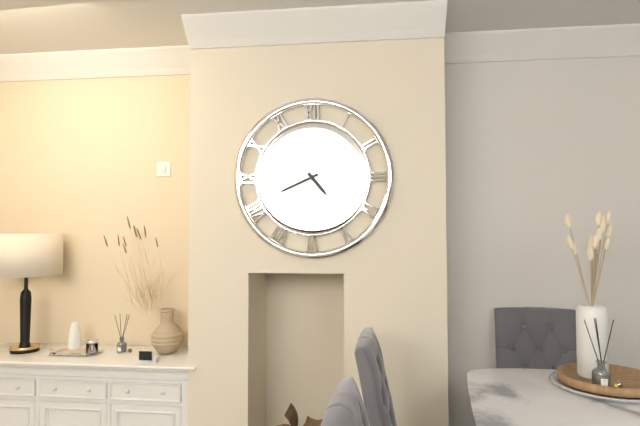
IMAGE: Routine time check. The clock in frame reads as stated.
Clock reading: 4:41
